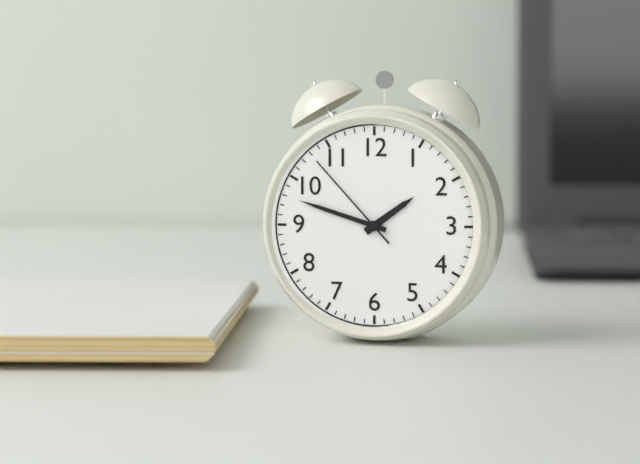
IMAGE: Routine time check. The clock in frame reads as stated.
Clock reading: 1:48:53
